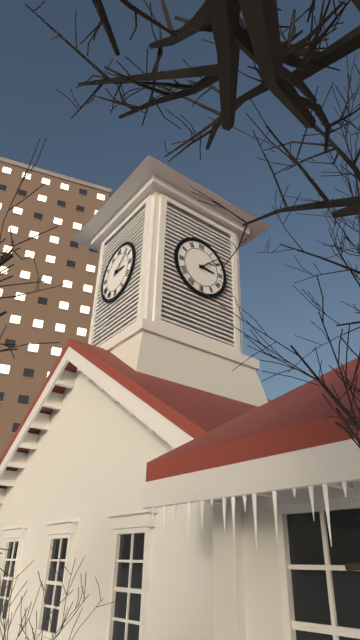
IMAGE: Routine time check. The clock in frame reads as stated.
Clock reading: 3:08
